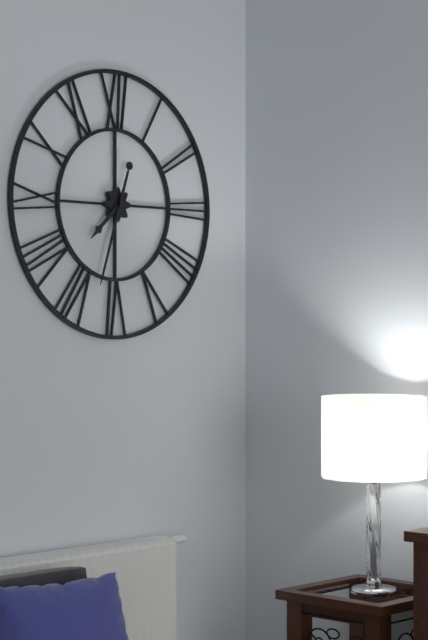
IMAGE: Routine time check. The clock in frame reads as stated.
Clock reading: 7:33
